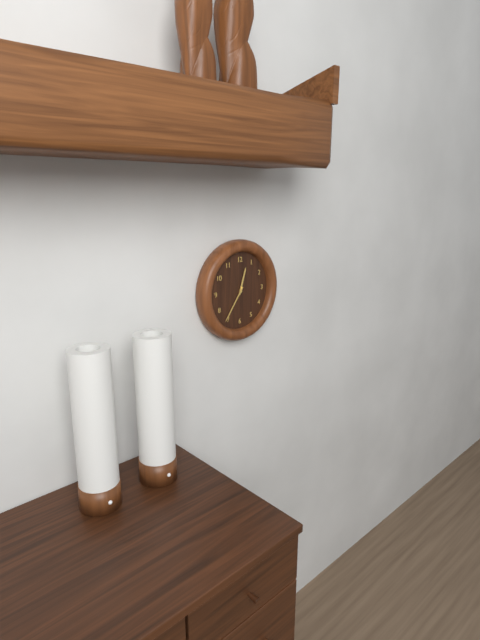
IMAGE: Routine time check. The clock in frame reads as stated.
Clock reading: 12:36
